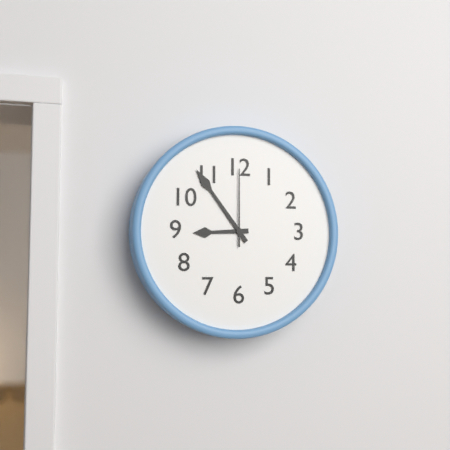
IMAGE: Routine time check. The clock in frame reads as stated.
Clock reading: 8:54:00
